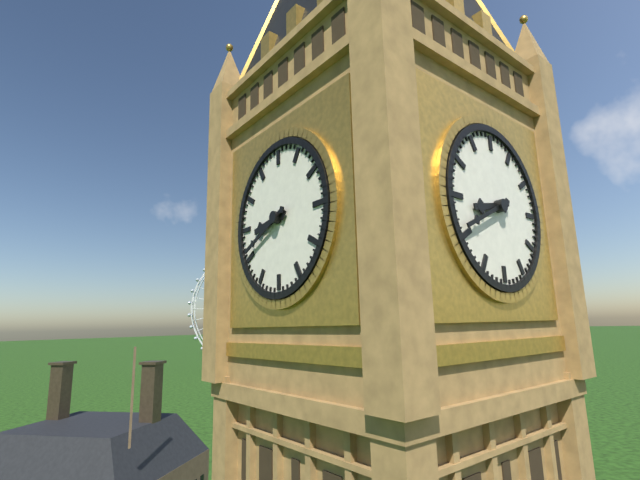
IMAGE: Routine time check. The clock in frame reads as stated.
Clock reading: 8:41
